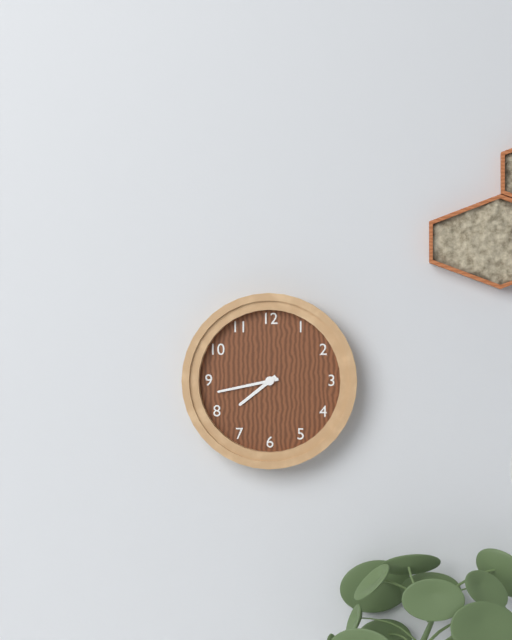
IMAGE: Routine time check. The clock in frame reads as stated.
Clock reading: 7:43
